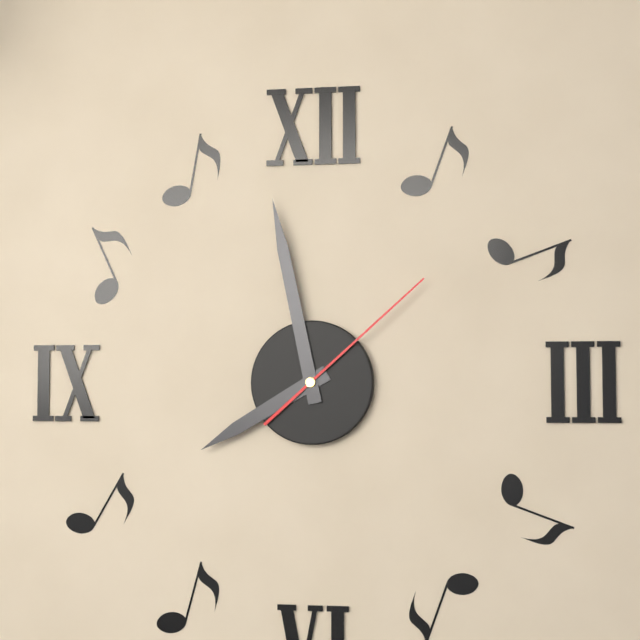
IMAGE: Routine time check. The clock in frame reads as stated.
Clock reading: 7:58:08
